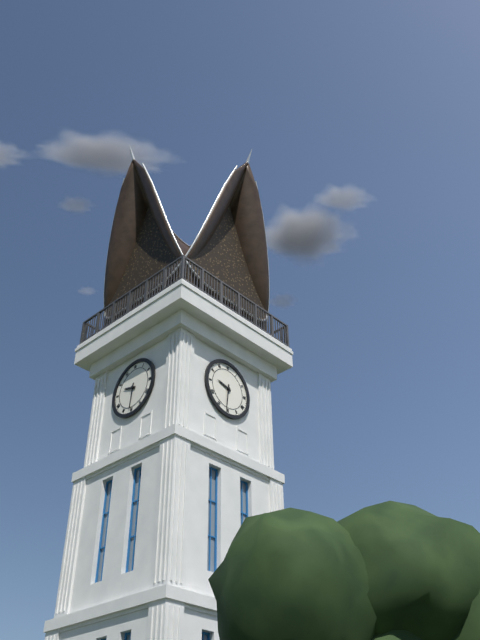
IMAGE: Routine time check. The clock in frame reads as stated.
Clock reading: 9:31
